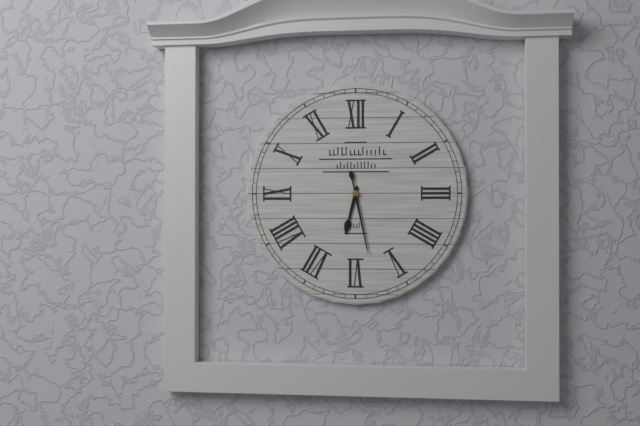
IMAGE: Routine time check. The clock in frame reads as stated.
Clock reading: 6:28
